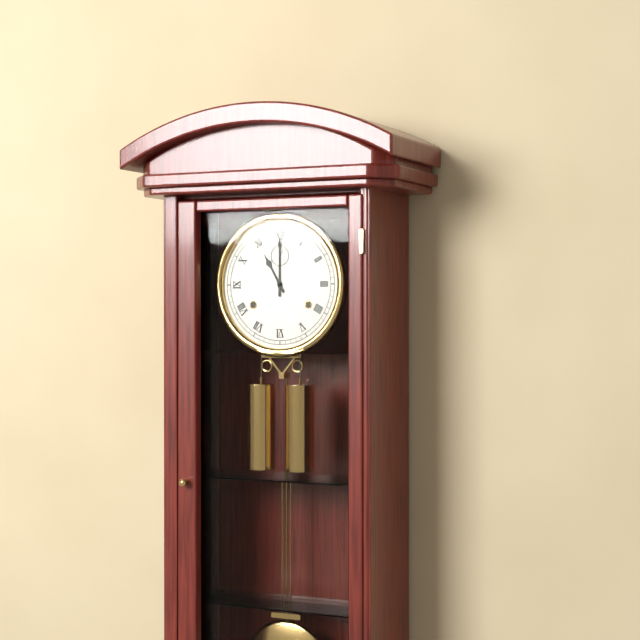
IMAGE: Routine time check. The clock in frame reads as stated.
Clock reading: 11:00
